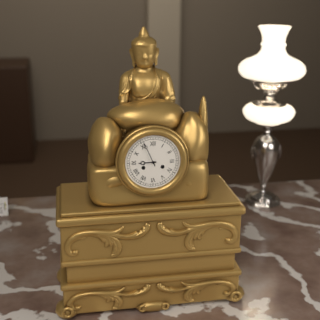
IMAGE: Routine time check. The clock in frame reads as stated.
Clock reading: 8:56
